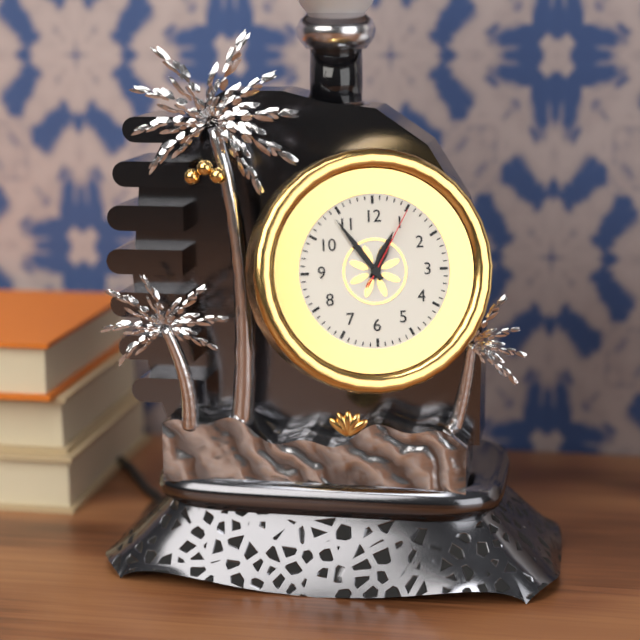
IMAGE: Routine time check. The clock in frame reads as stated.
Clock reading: 12:54:05
